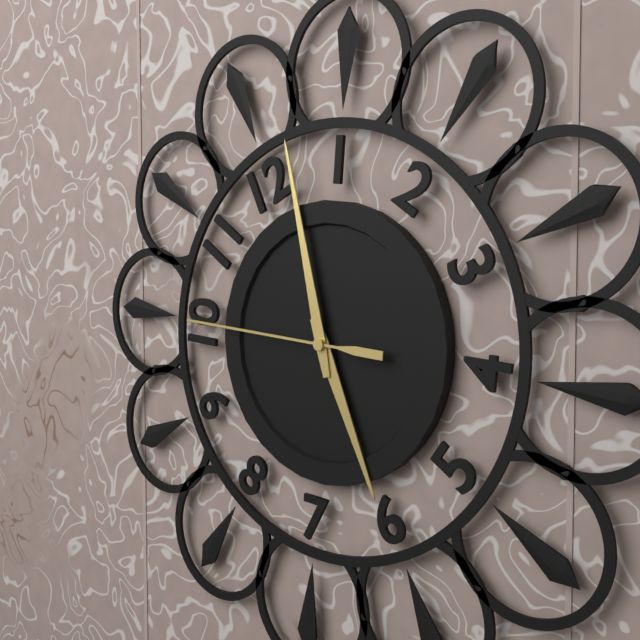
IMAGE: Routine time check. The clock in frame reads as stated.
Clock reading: 6:02:50
